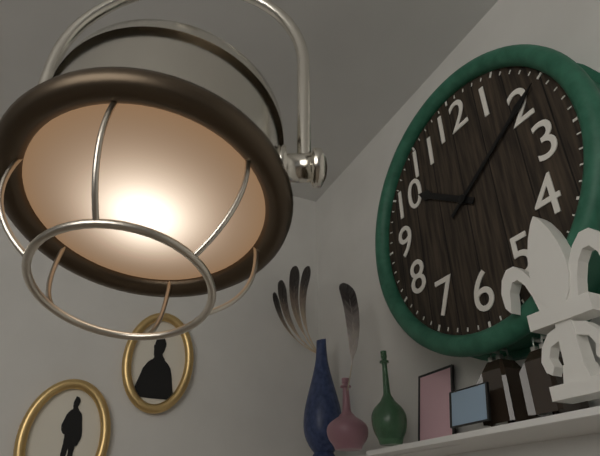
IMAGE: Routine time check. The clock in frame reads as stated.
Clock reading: 10:10
